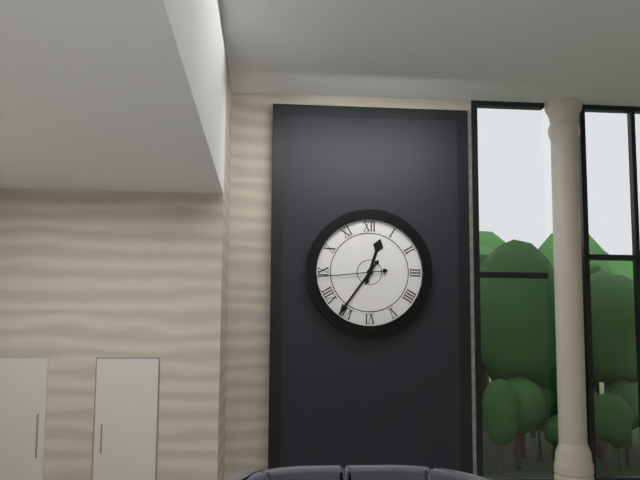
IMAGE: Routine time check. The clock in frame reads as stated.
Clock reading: 12:36:44
